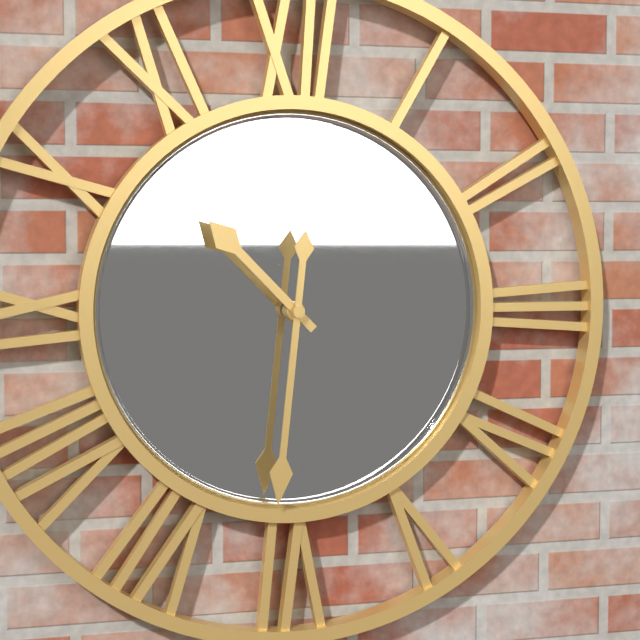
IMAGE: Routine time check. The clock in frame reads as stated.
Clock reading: 10:31
